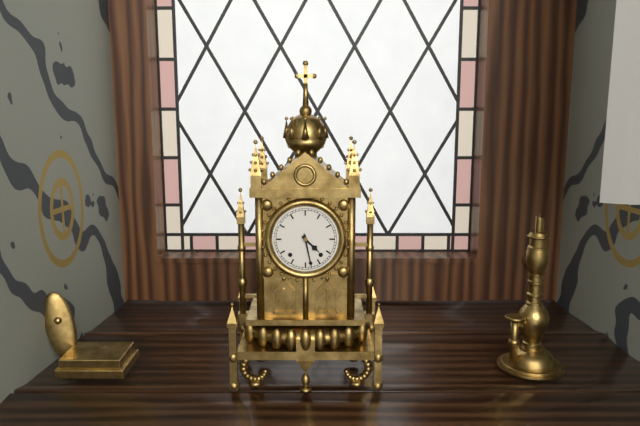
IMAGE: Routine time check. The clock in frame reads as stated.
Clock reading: 4:28
